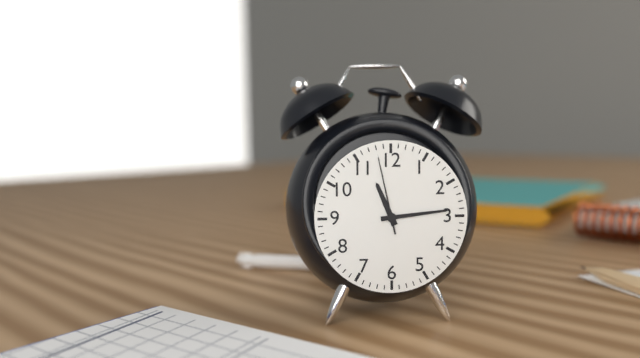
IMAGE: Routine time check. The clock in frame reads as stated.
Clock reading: 11:14:58
